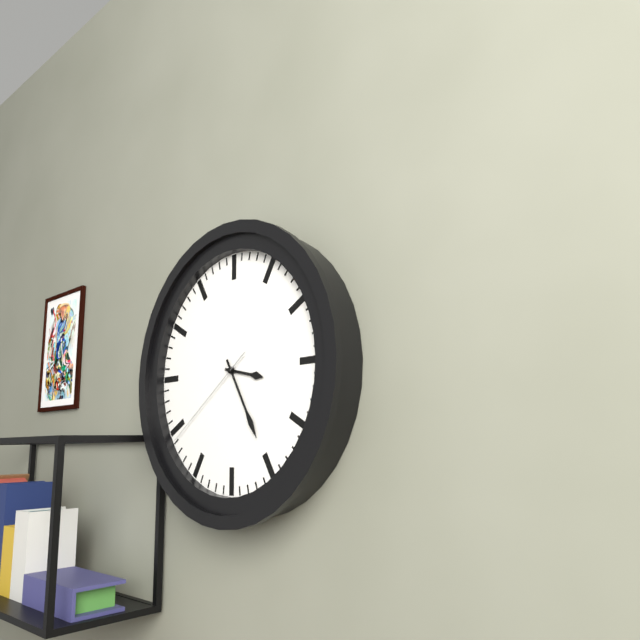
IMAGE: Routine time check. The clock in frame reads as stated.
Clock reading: 3:25:39
